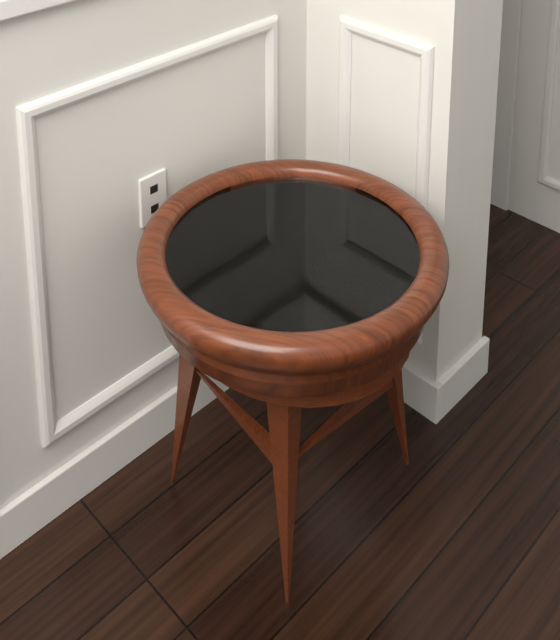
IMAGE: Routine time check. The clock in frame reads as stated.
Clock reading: 4:46
